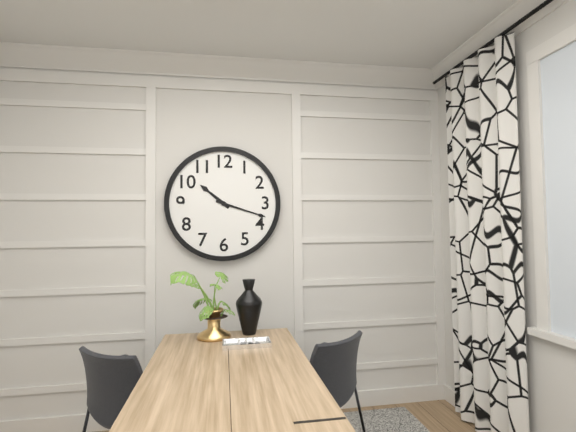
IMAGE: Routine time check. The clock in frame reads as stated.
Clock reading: 10:18
